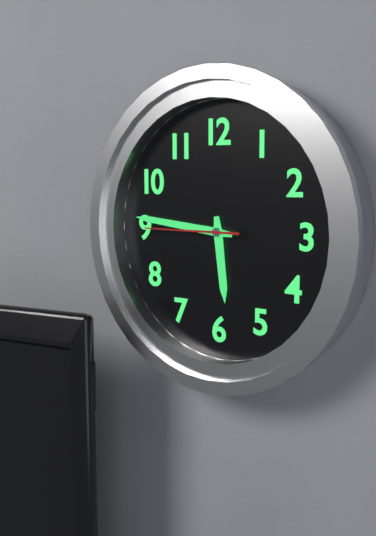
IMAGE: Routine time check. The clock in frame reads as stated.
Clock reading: 5:46:45
